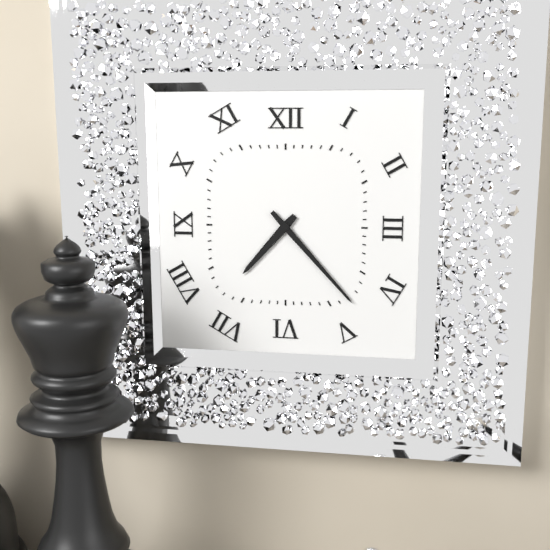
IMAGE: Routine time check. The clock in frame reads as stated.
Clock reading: 7:23
